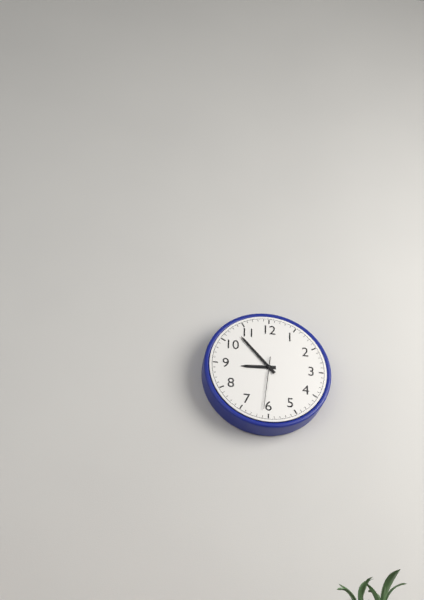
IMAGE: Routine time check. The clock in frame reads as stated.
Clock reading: 8:53:31
